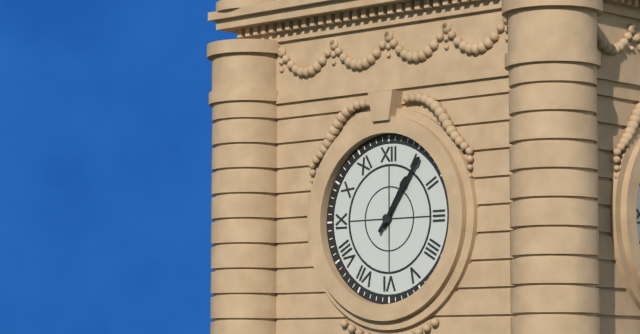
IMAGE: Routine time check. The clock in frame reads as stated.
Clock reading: 1:06
